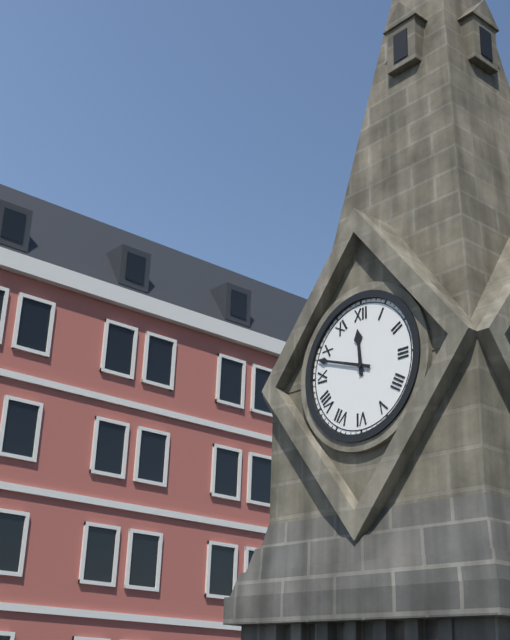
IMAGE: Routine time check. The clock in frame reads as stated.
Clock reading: 11:48
